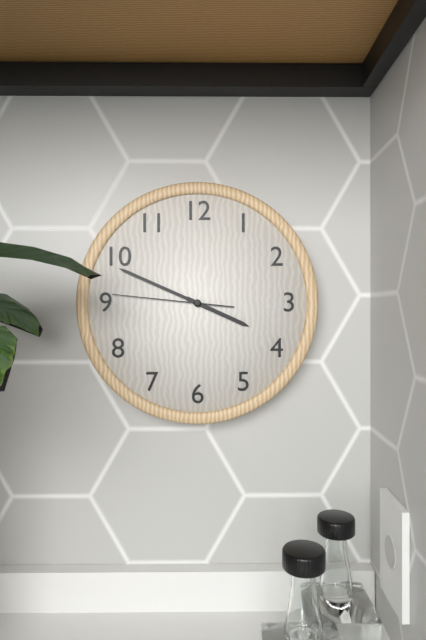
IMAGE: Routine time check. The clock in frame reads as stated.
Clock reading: 3:49:46
